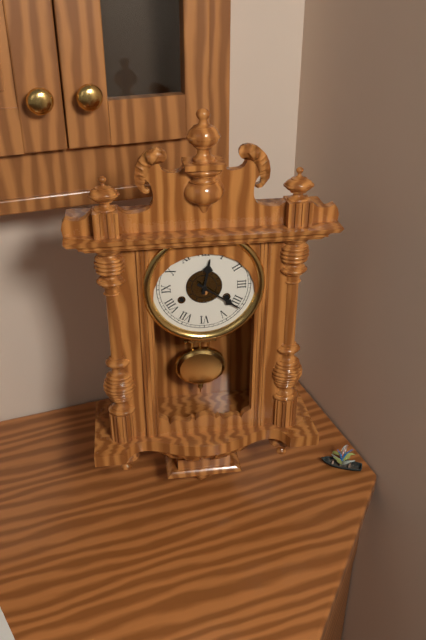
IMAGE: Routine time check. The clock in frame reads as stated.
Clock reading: 12:21
